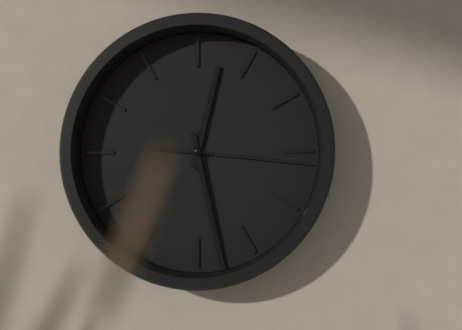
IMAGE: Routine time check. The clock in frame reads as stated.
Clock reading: 12:28:16
